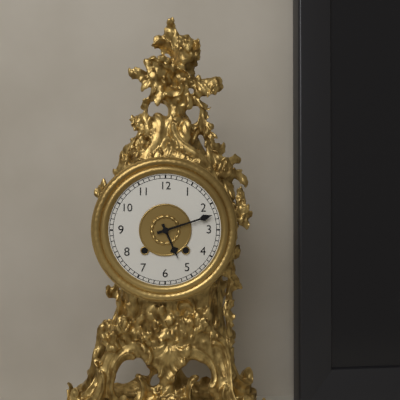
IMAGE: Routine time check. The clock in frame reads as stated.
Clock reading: 5:12
